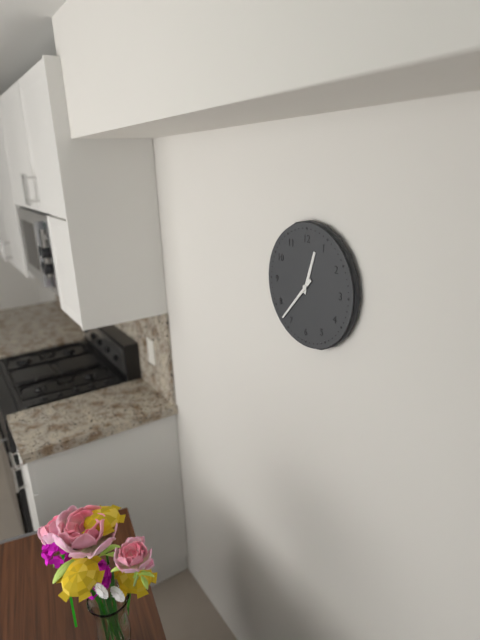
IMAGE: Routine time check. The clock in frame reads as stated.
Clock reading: 12:37
